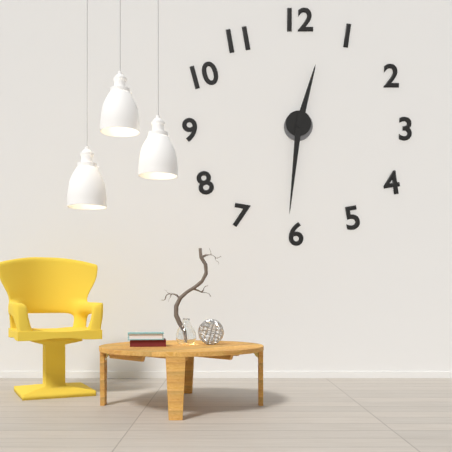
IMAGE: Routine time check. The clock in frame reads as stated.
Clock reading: 12:31
